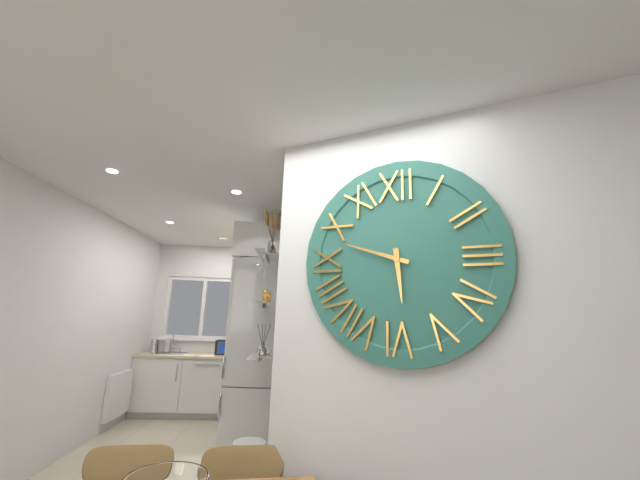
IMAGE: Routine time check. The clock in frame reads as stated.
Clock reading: 5:48
